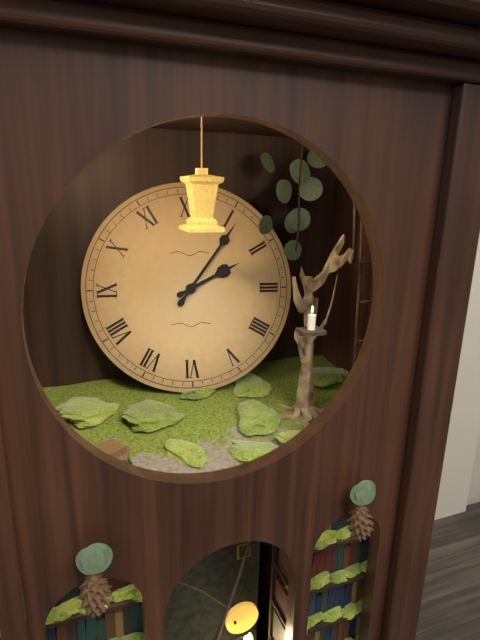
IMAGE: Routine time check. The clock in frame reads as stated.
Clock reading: 2:06
